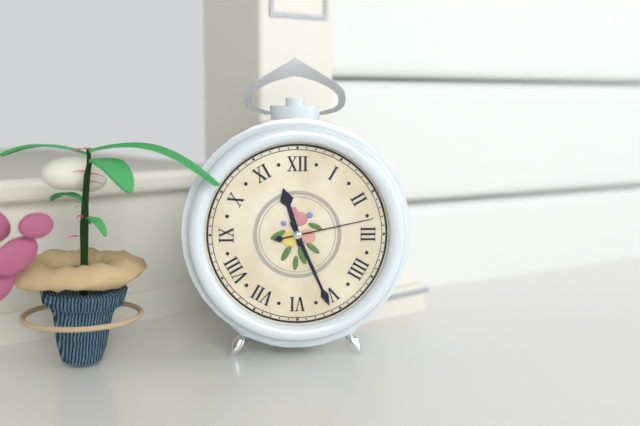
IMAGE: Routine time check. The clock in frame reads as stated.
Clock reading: 11:26:13
